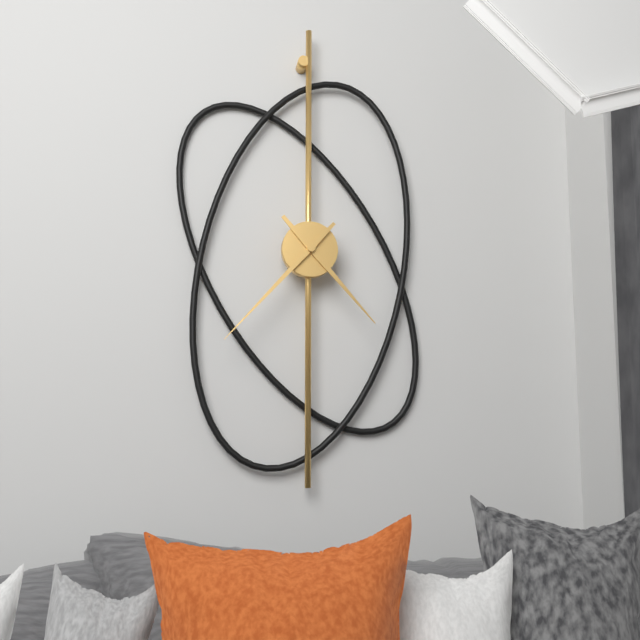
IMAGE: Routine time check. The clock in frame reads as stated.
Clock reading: 4:37
